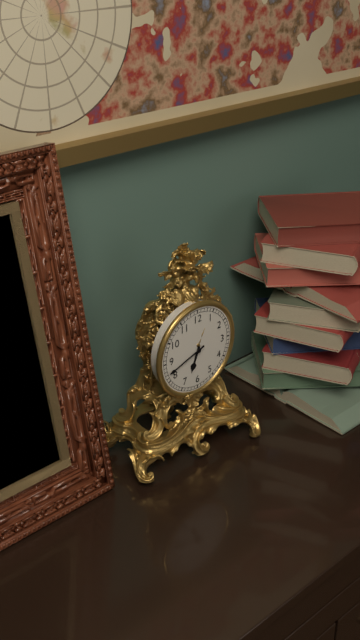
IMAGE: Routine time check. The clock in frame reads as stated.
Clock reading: 6:42
